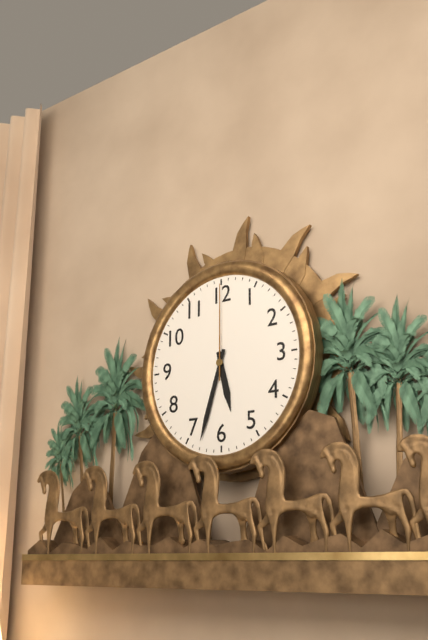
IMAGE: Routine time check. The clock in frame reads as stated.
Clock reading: 5:33:00
